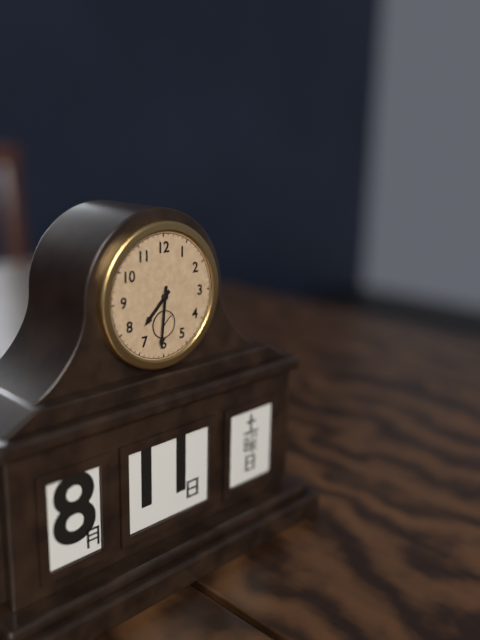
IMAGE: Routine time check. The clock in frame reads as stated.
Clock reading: 7:31
